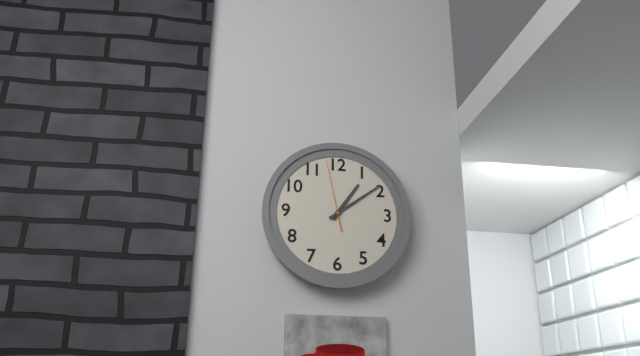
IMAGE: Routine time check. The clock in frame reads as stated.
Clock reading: 1:09:58
